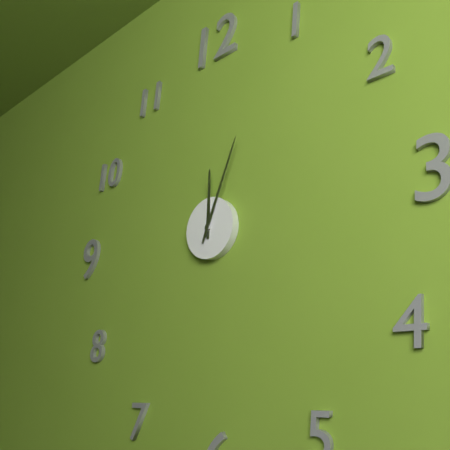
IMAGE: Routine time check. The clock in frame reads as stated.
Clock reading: 12:04
